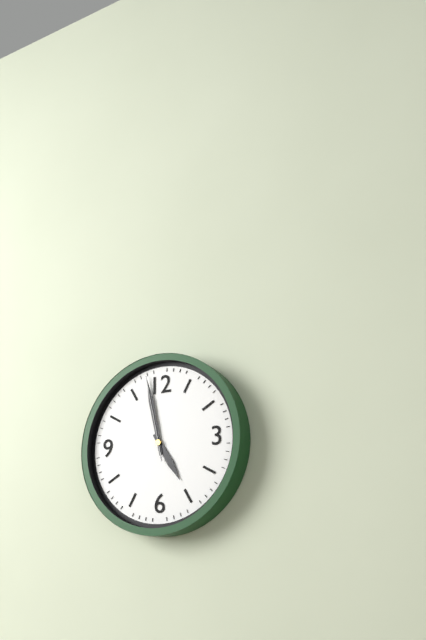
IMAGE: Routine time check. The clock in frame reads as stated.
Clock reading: 4:58:58
